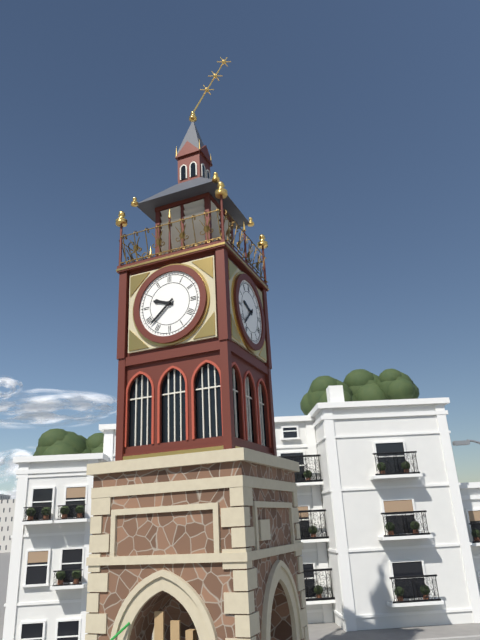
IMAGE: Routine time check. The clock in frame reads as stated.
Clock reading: 9:38
